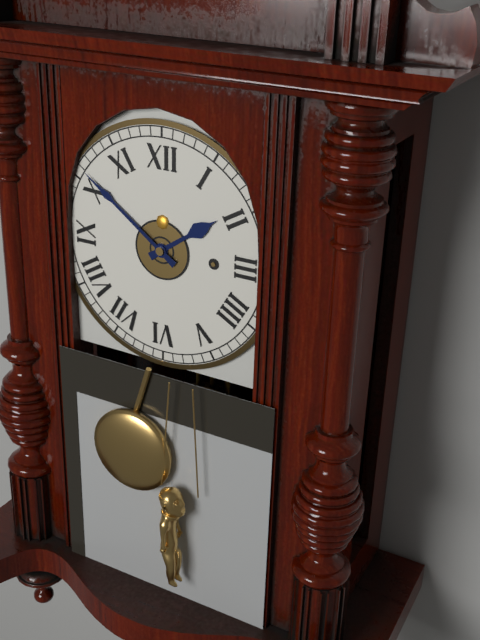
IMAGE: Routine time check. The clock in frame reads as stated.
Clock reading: 1:51
